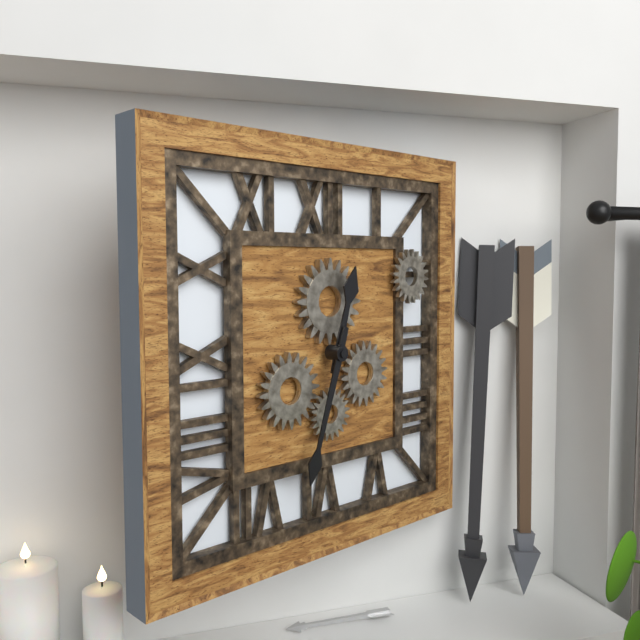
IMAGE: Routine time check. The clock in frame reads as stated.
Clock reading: 12:33
